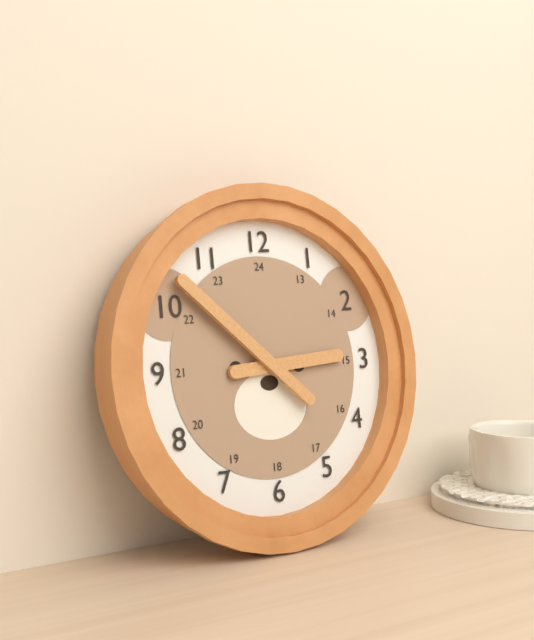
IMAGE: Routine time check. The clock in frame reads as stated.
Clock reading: 2:52
